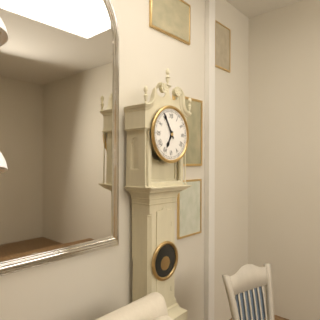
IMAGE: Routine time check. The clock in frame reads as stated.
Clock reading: 6:55
